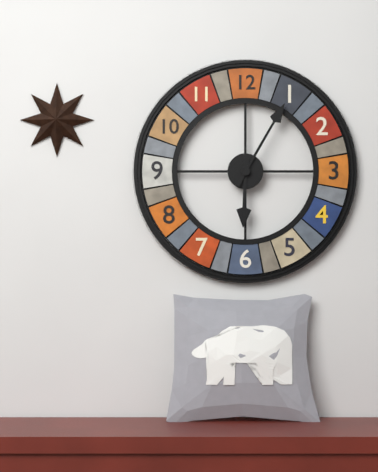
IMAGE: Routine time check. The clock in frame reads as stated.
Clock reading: 6:05
